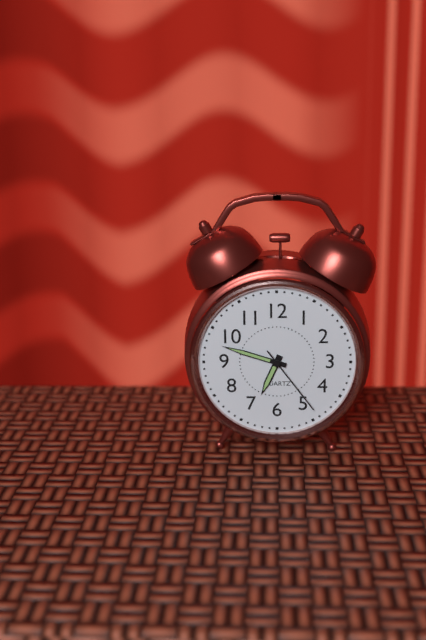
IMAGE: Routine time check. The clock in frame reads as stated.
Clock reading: 6:48:24
